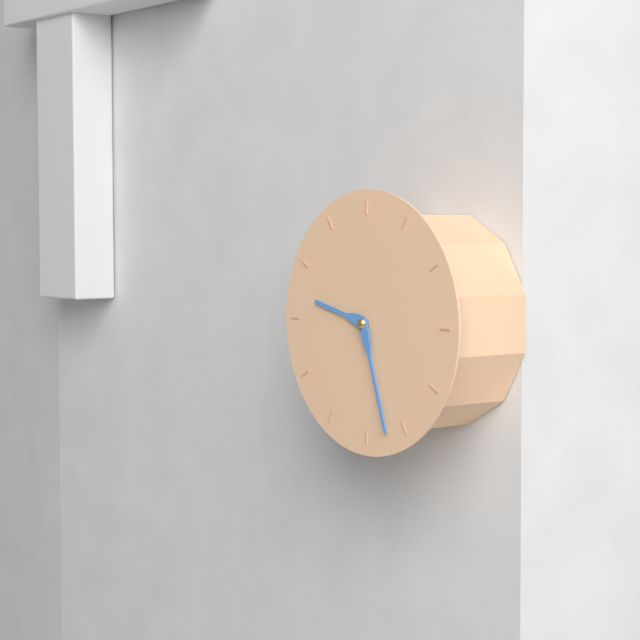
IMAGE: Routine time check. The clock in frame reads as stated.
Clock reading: 9:27
